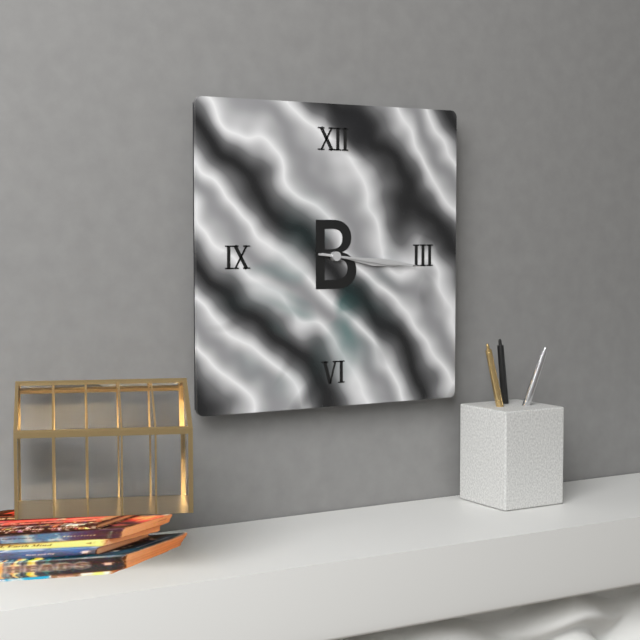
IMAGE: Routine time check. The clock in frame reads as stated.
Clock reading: 3:16
